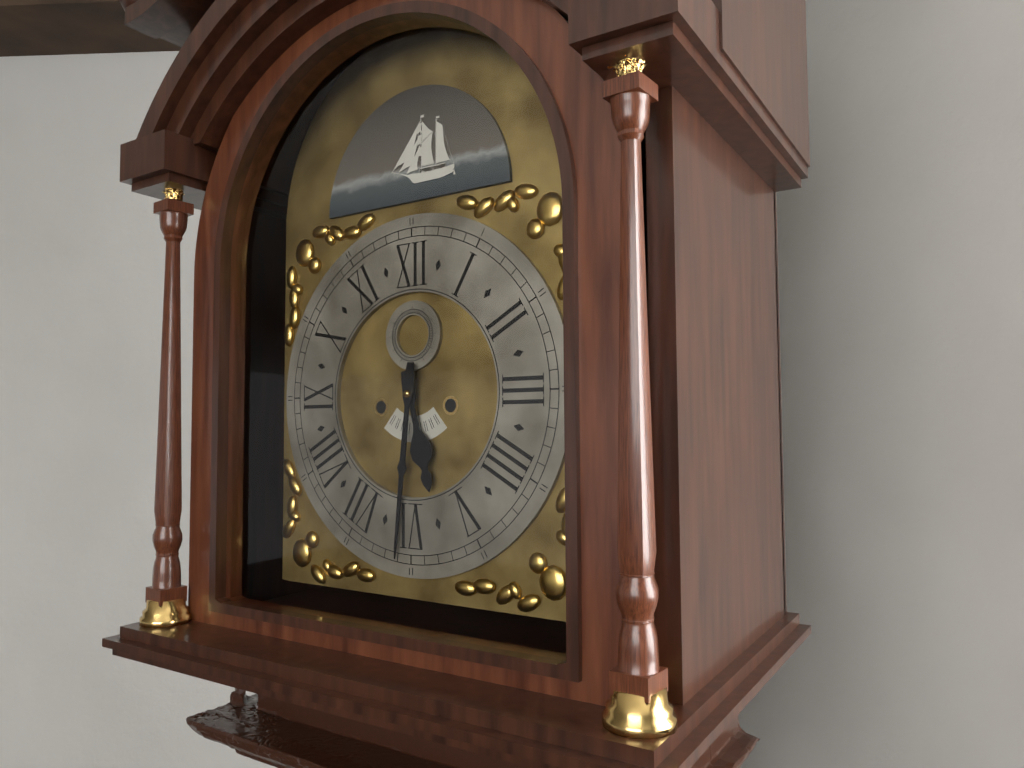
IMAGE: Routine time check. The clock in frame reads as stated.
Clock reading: 5:31
